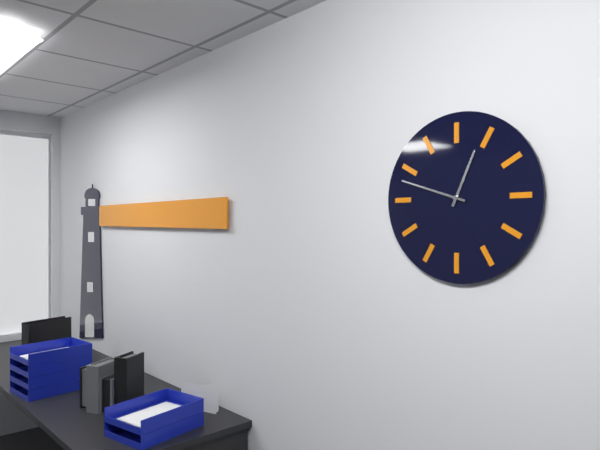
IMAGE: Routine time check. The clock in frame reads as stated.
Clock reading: 12:48
